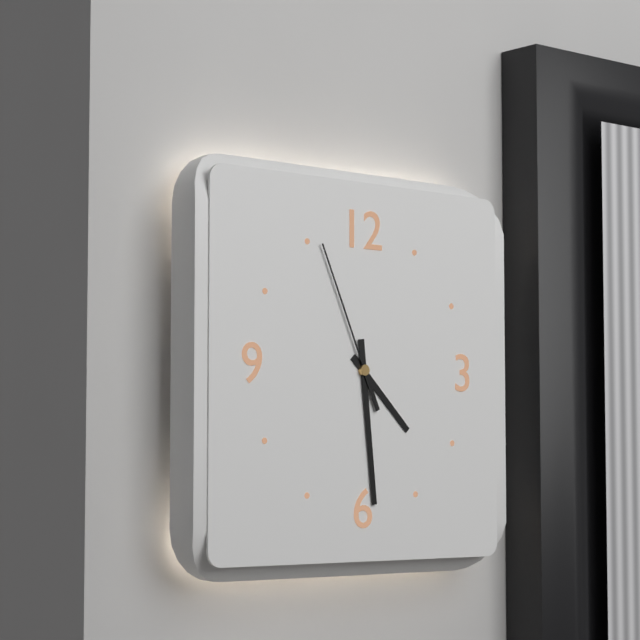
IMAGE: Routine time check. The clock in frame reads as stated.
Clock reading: 4:29:56
